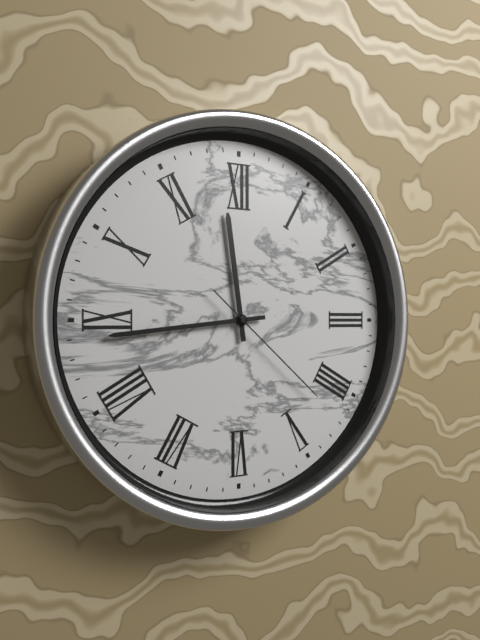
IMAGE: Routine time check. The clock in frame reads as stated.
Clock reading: 11:44:22
